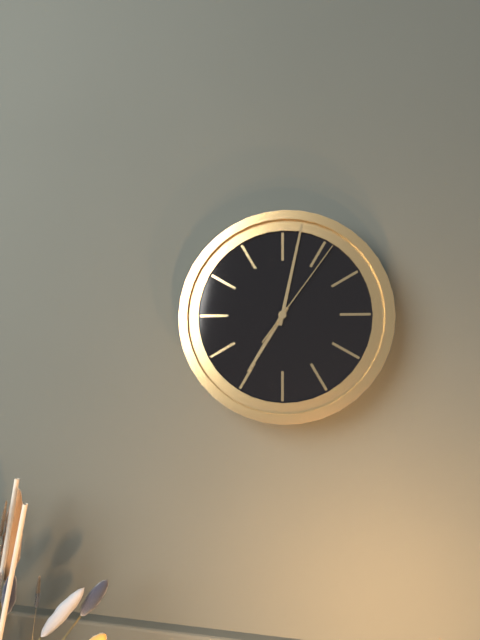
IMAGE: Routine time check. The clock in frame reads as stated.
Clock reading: 7:02:06
